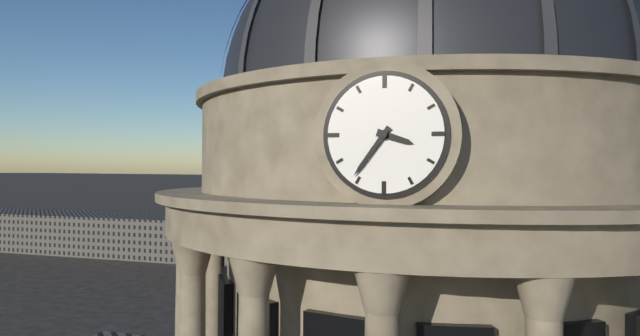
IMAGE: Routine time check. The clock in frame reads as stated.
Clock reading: 3:36
